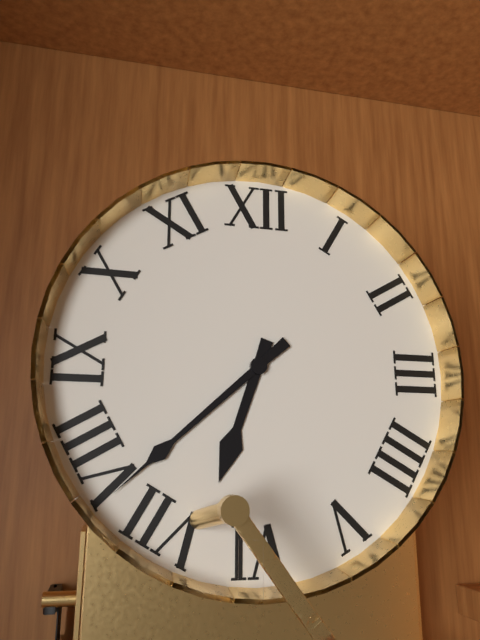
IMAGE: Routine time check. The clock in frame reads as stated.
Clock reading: 6:38
